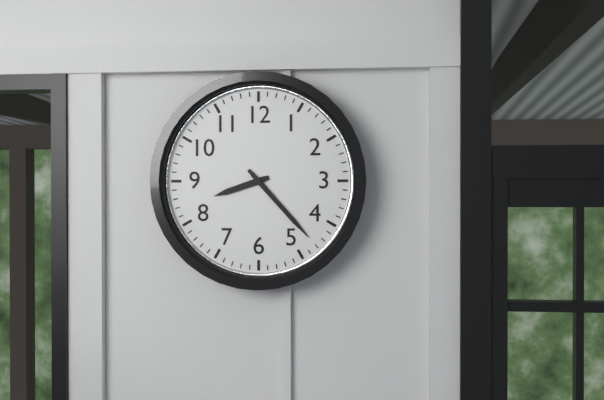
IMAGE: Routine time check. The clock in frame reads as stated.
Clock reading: 8:23
